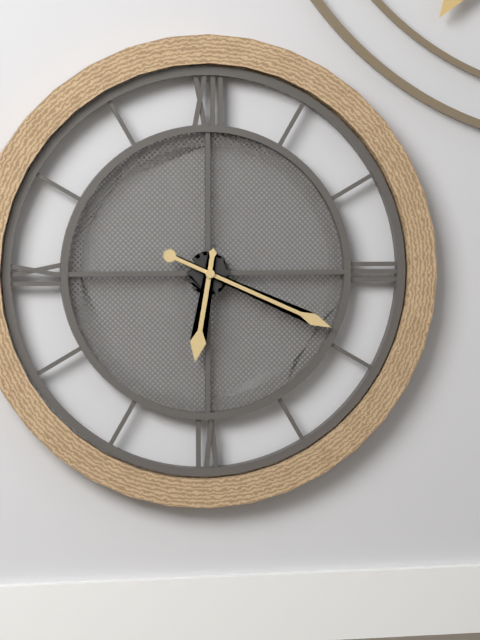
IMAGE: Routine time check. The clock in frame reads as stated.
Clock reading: 6:19
